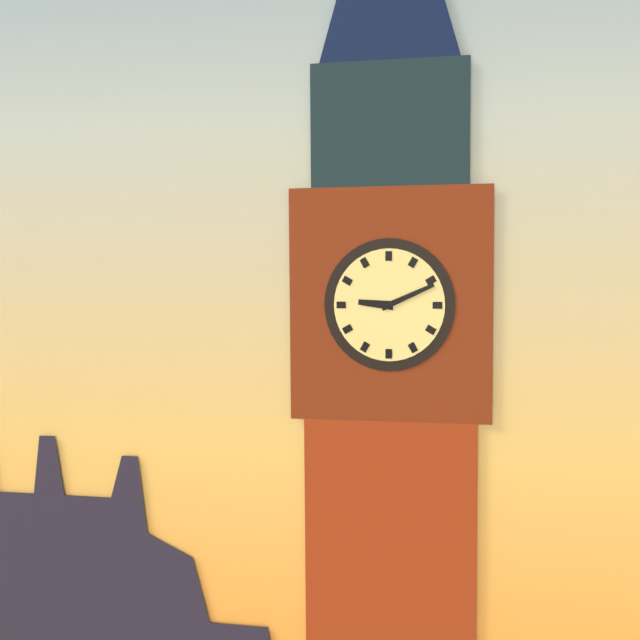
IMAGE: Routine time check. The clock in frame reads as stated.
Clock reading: 9:11
